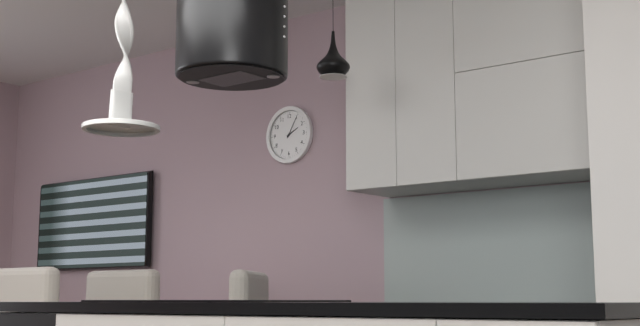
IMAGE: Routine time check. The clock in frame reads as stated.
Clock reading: 2:05
